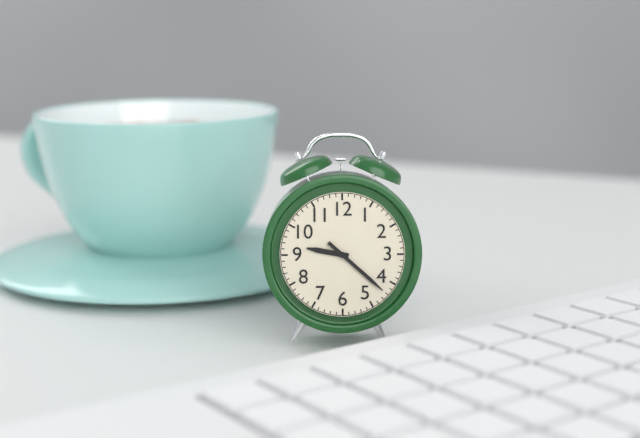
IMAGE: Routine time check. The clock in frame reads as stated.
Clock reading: 9:22
